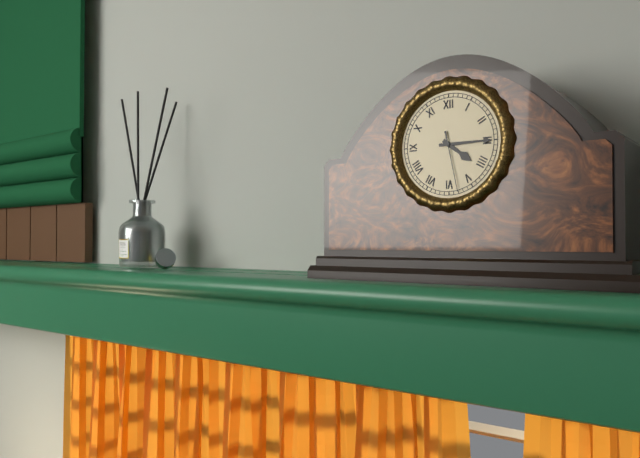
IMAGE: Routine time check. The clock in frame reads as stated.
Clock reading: 4:15:28
